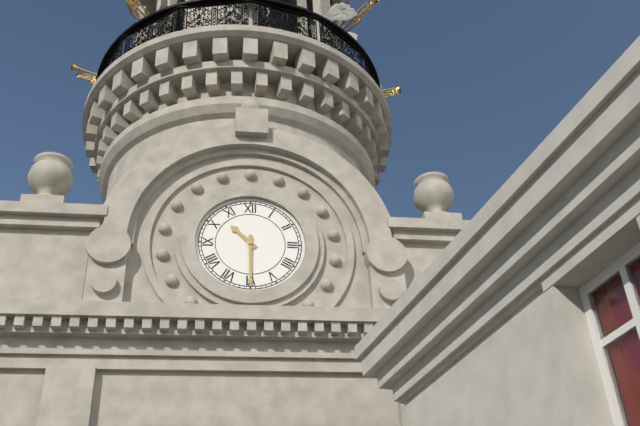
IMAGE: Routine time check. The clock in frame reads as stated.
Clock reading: 10:30
